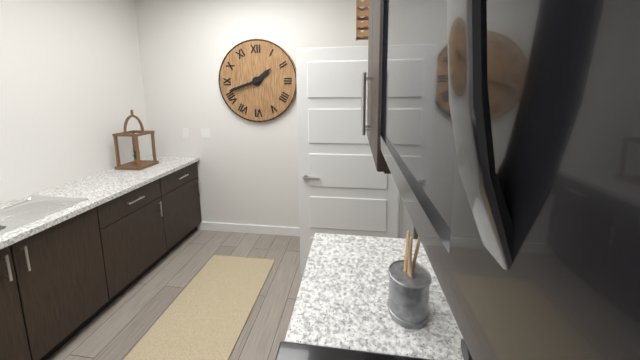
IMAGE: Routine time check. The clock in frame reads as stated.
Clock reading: 1:42
